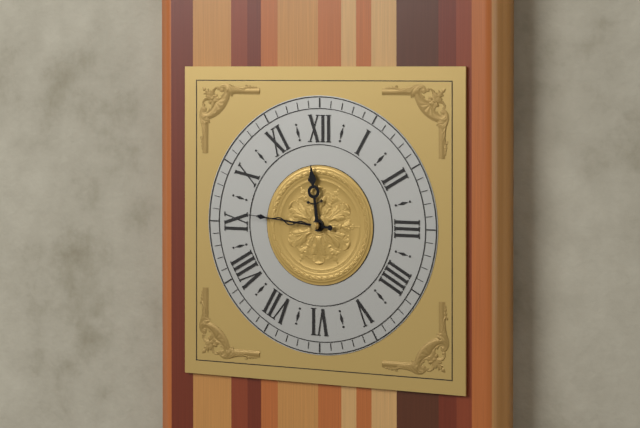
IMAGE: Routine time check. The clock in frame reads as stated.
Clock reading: 11:46
